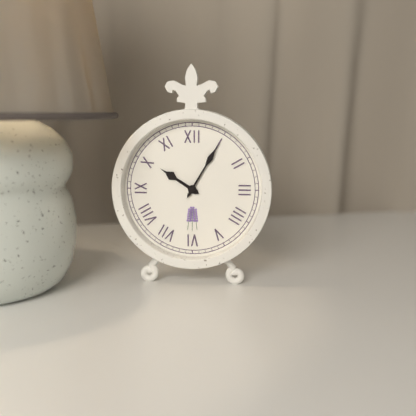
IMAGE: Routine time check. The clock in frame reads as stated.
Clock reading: 10:05
